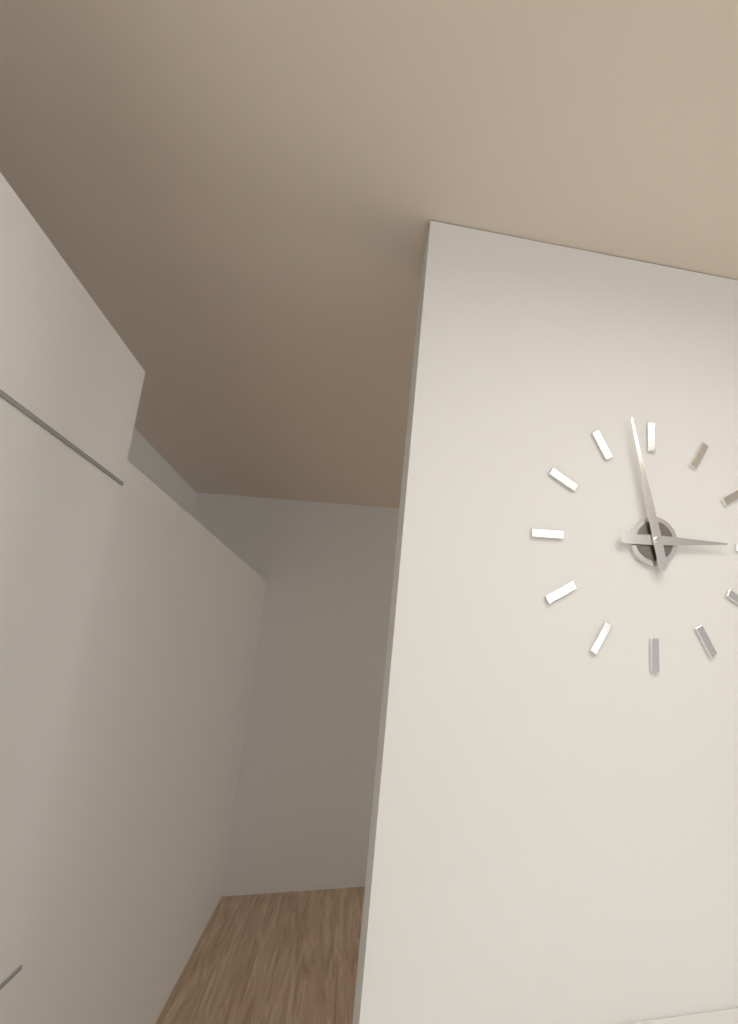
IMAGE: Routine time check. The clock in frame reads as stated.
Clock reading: 2:58
